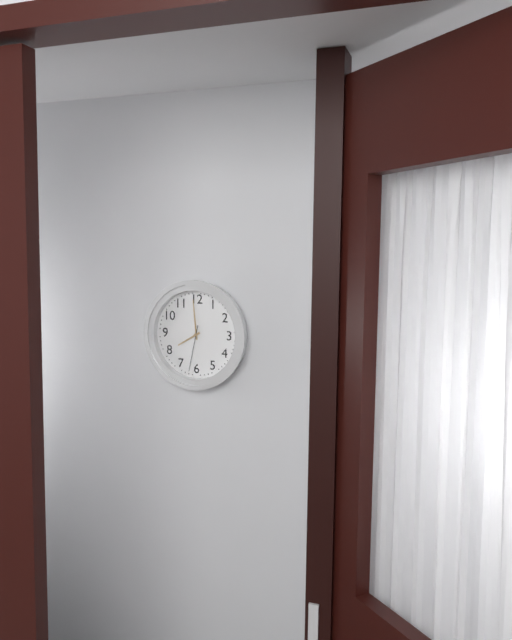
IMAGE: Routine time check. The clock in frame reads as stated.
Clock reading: 7:59
